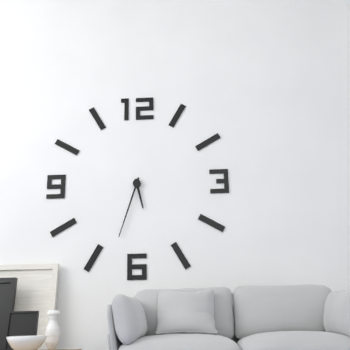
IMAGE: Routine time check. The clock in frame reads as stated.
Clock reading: 5:33
